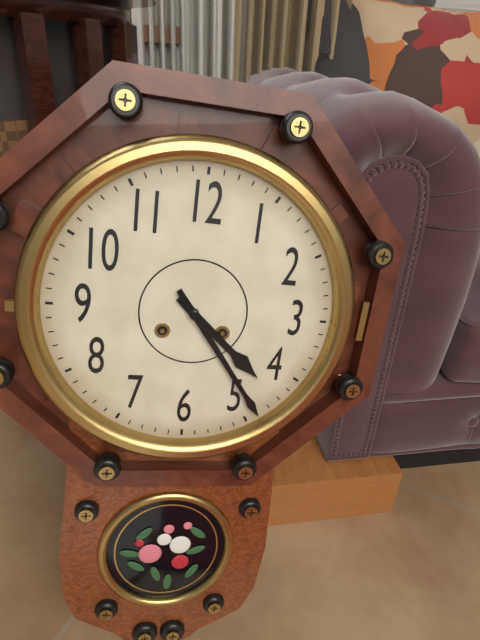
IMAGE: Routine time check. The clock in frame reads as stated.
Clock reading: 4:24
